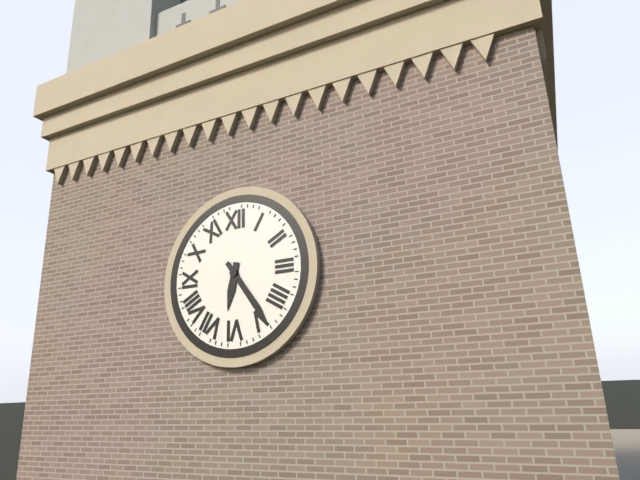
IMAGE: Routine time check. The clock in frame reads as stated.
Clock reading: 6:24
